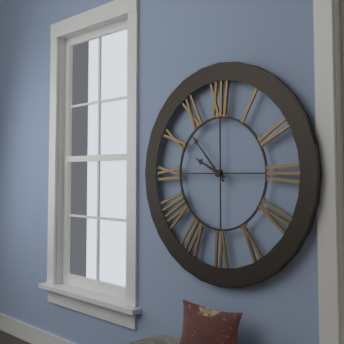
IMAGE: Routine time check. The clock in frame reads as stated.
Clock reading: 9:53
